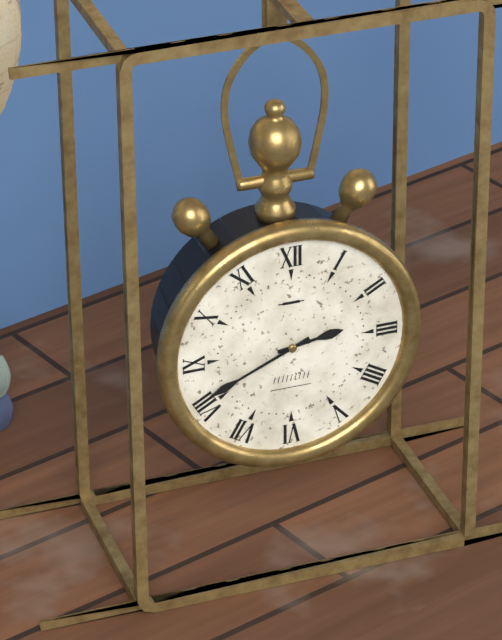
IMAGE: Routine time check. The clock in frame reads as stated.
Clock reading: 2:41
